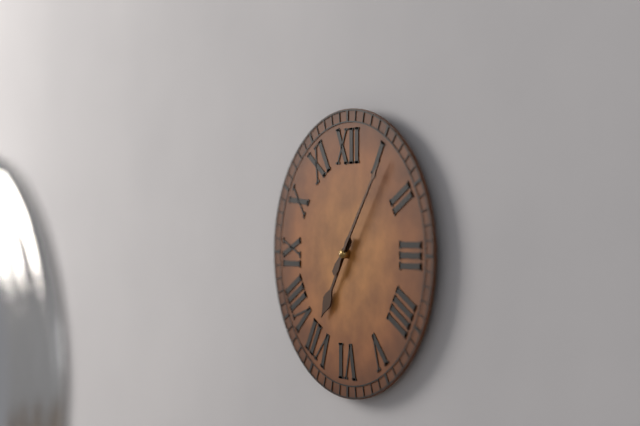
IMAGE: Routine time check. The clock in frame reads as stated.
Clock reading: 7:06
